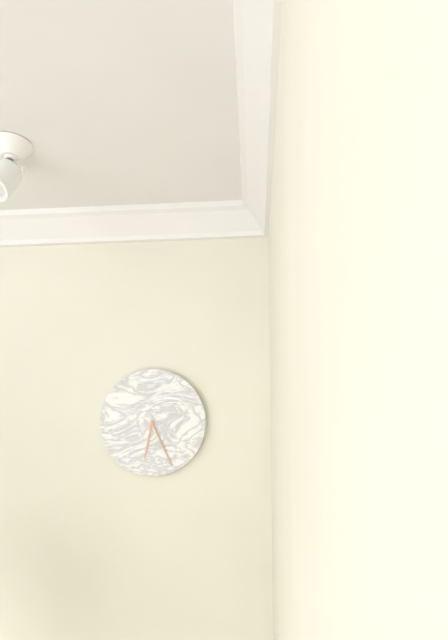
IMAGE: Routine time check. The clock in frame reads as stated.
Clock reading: 6:26
